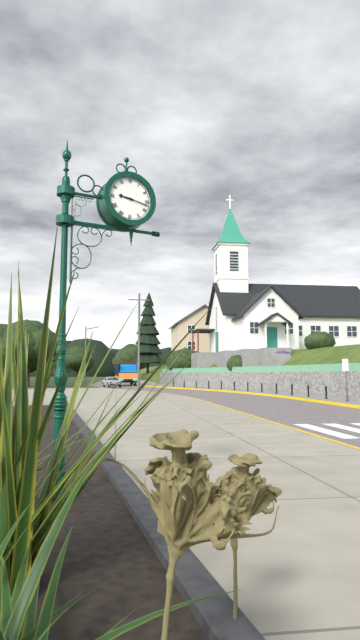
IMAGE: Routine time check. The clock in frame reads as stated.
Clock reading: 9:17
